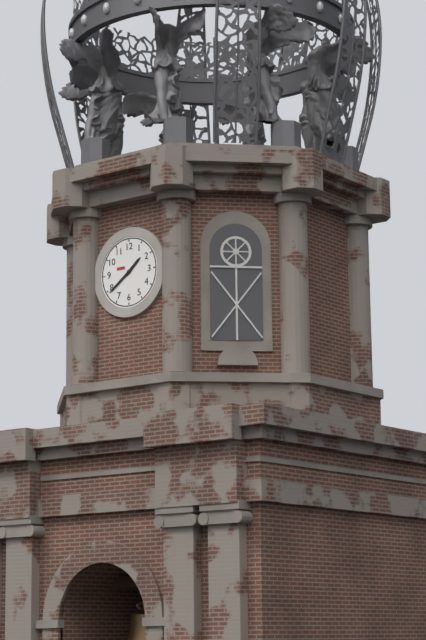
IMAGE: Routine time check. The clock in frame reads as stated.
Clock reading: 1:39
